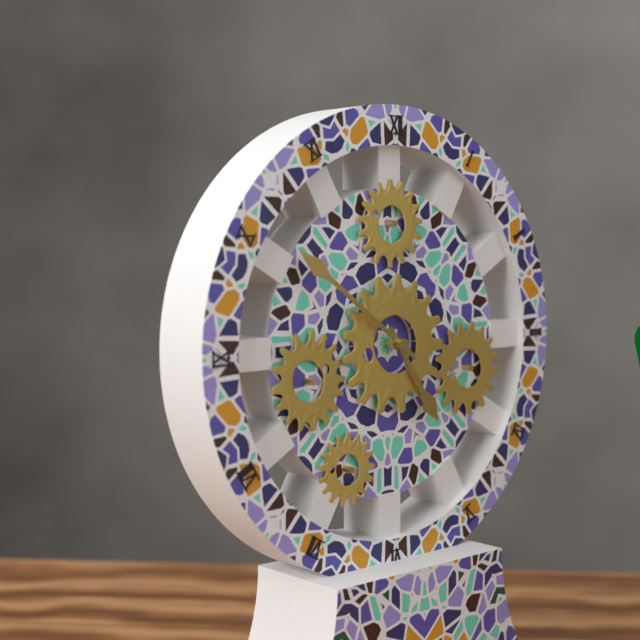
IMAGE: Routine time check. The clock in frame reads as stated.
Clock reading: 4:51
